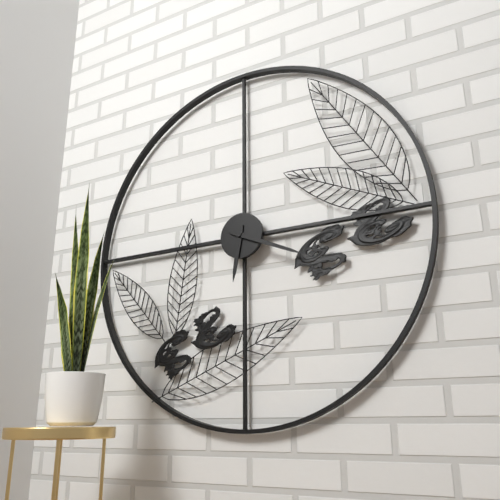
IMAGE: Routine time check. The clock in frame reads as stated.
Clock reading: 6:19
